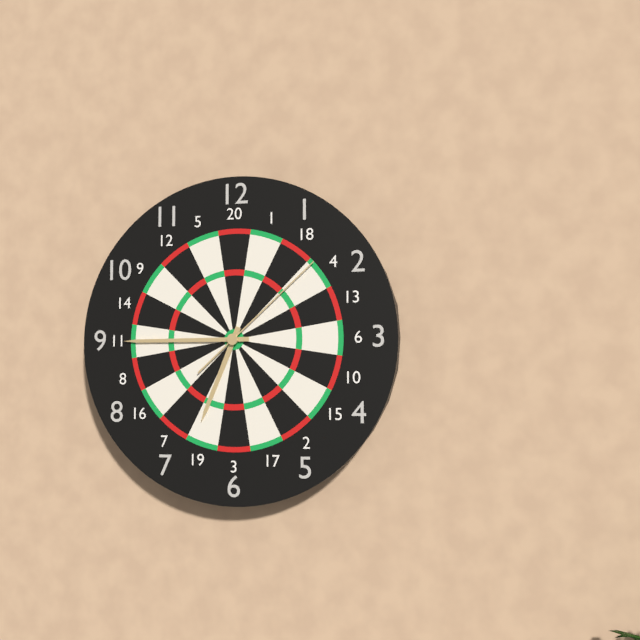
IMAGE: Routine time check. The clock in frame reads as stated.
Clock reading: 6:45:08
